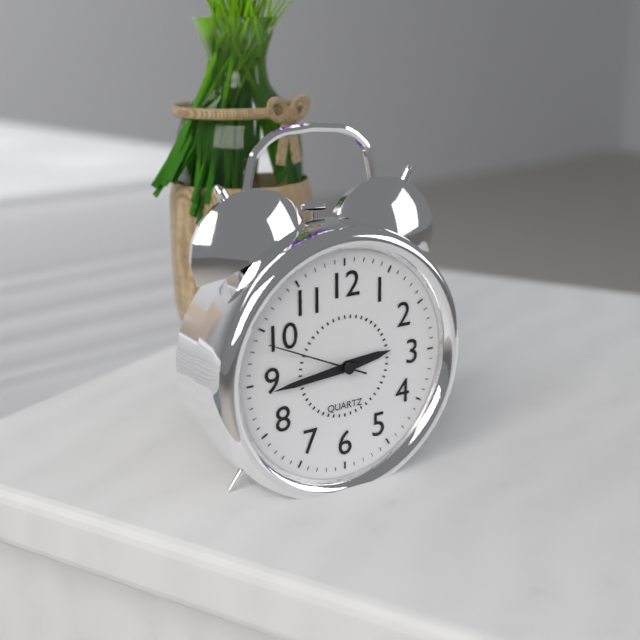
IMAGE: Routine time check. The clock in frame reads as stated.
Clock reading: 2:44:49
